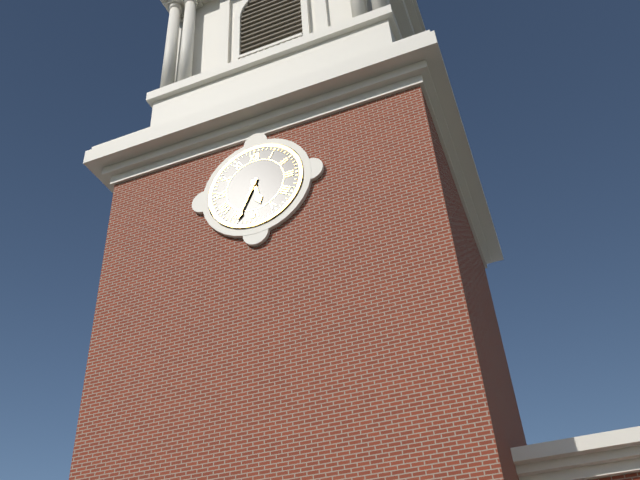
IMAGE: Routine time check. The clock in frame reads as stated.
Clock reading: 5:34
